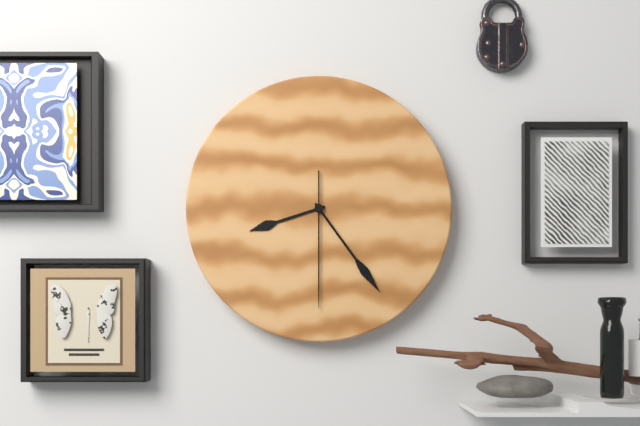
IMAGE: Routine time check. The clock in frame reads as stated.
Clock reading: 8:24:30
